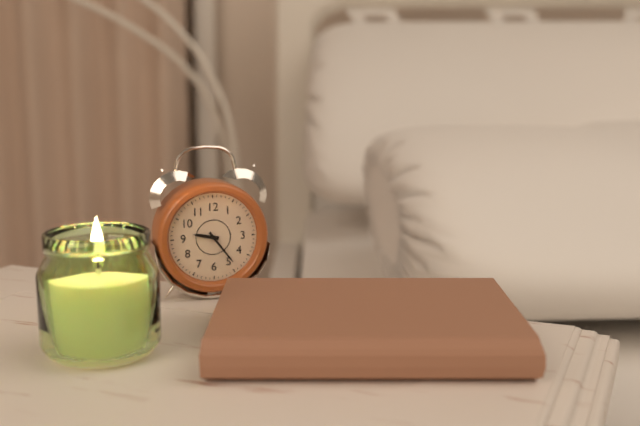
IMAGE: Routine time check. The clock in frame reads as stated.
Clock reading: 9:24
